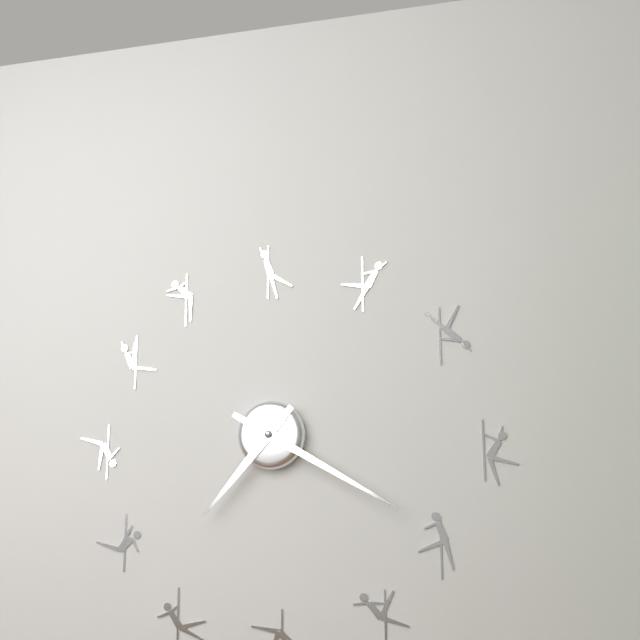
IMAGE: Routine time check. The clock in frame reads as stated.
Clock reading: 7:20
